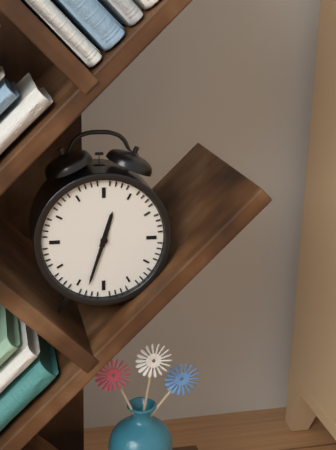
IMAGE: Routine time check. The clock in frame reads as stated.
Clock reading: 12:33
